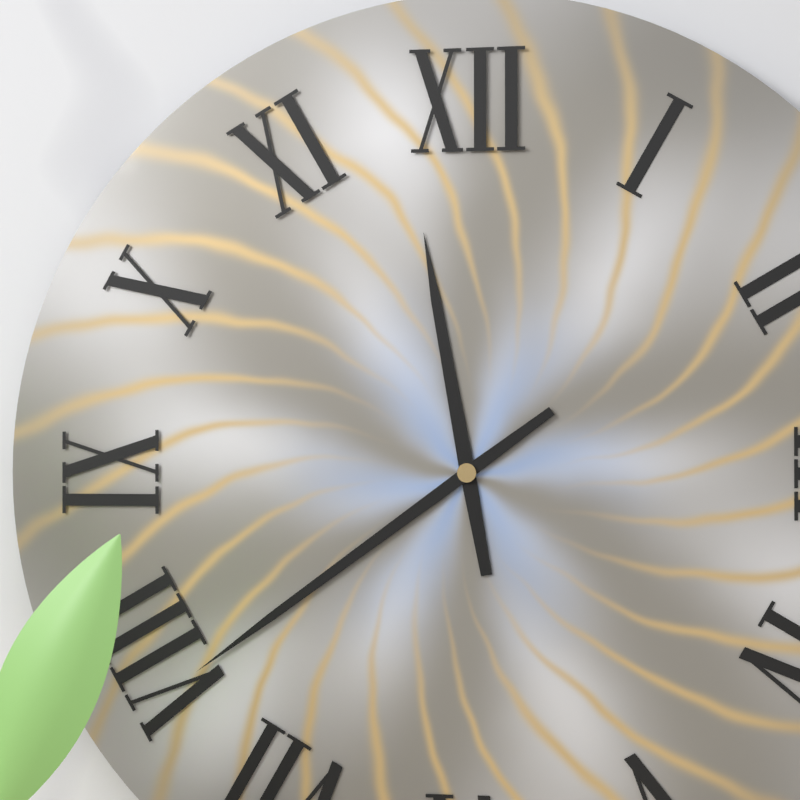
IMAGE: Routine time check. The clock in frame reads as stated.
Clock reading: 11:39
